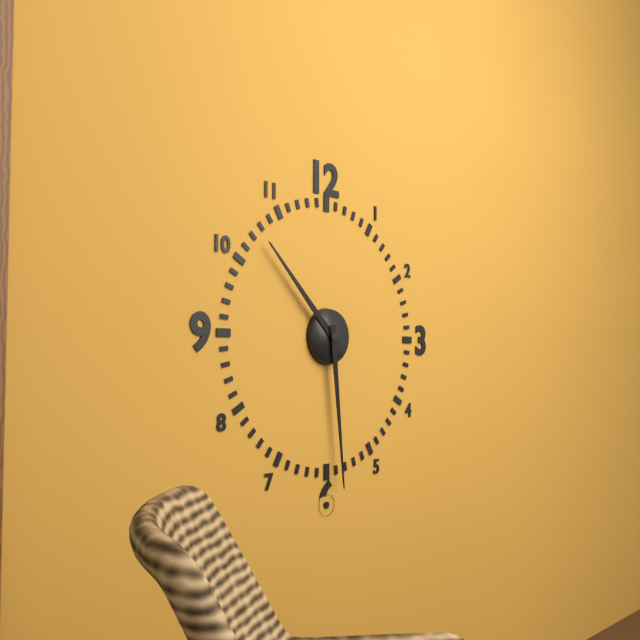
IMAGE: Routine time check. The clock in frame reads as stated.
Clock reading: 10:29
